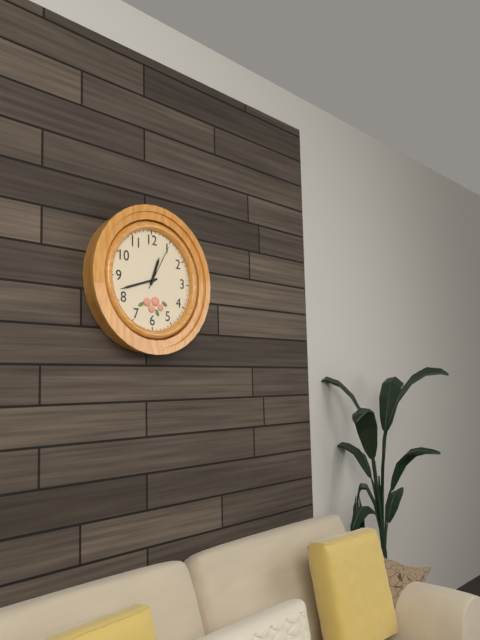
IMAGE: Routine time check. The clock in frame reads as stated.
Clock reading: 12:42
